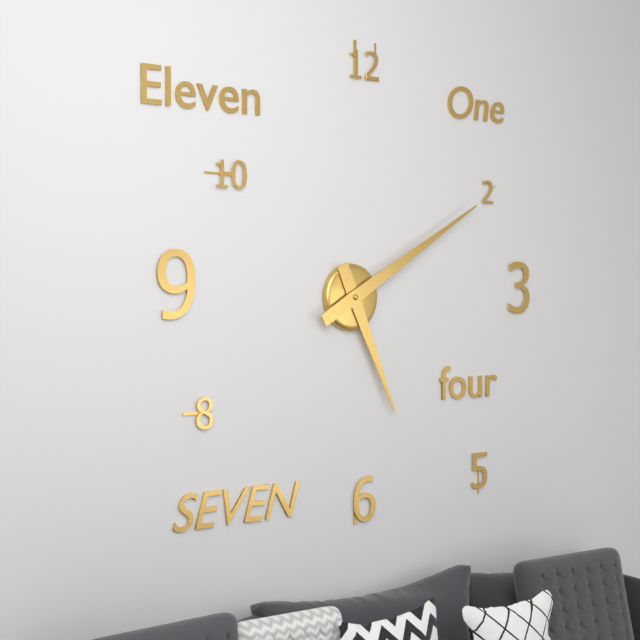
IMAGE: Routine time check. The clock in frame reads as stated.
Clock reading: 5:10
